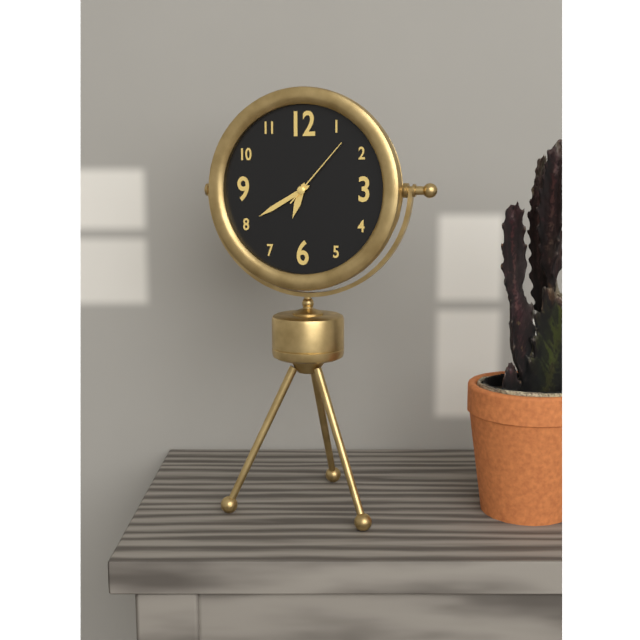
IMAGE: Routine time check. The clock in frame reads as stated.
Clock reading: 6:40:07
